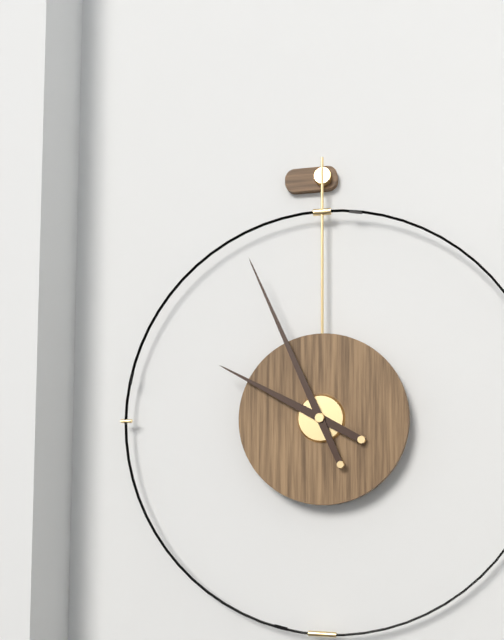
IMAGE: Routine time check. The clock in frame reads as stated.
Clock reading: 9:56
